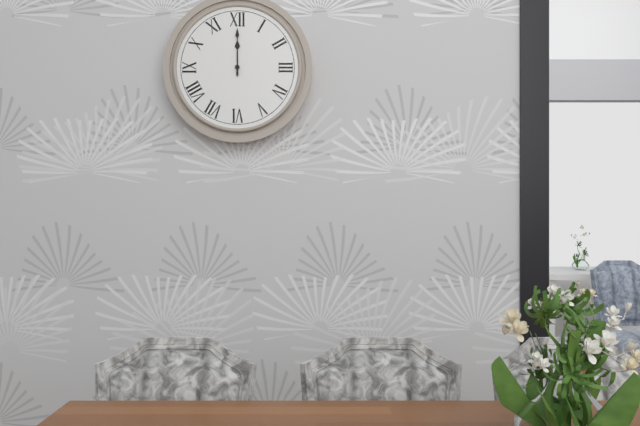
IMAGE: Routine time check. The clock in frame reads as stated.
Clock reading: 12:00
